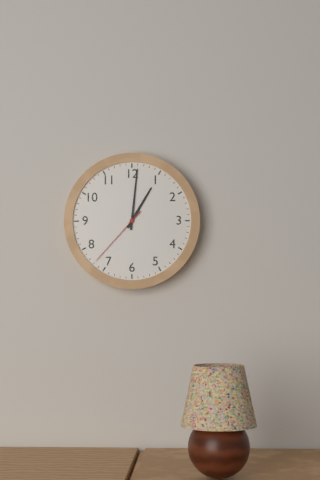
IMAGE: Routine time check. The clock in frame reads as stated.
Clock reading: 1:01:37
